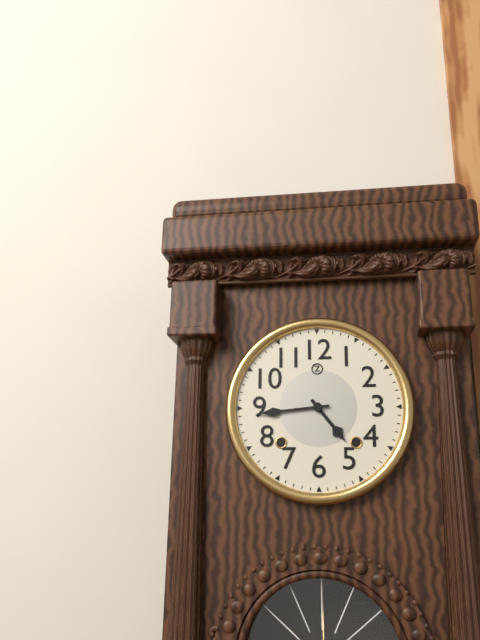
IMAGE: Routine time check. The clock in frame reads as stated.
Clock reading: 4:44
